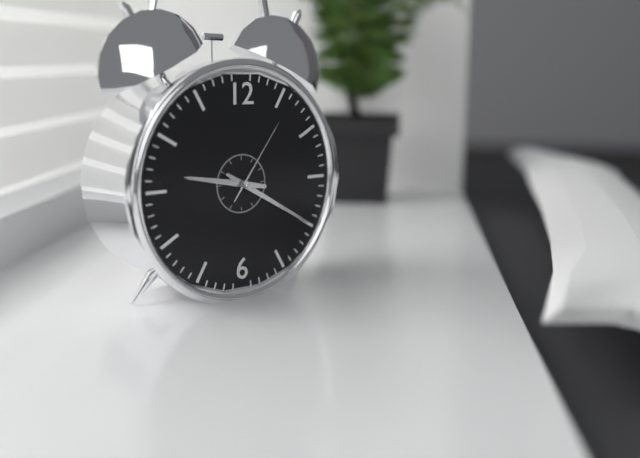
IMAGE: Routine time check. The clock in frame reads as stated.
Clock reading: 9:20:06
